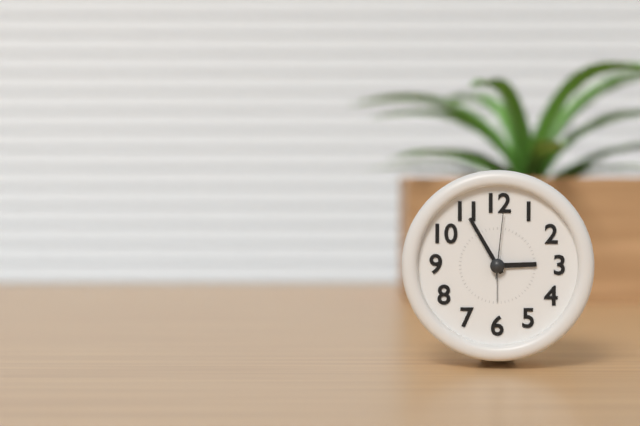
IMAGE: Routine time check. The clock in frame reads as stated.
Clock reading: 2:55:01
